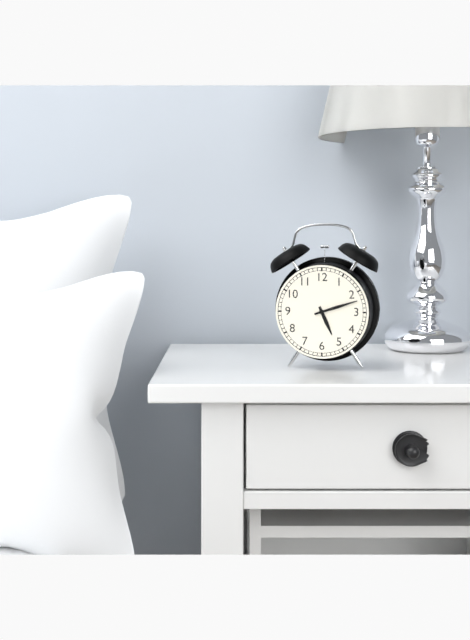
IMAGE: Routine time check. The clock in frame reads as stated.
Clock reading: 5:12
